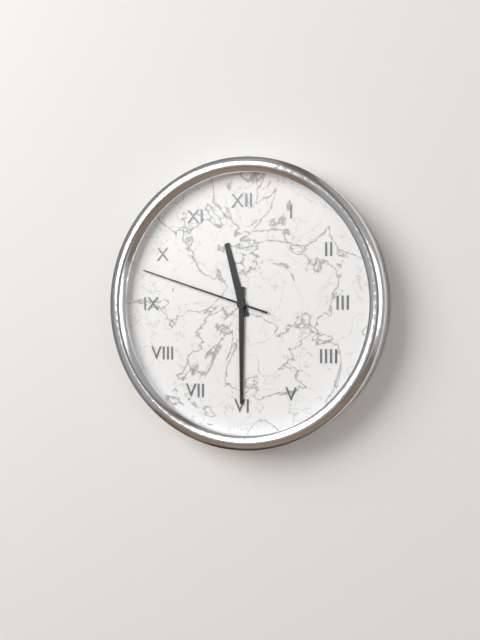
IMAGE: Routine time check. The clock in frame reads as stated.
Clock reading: 11:30:48
